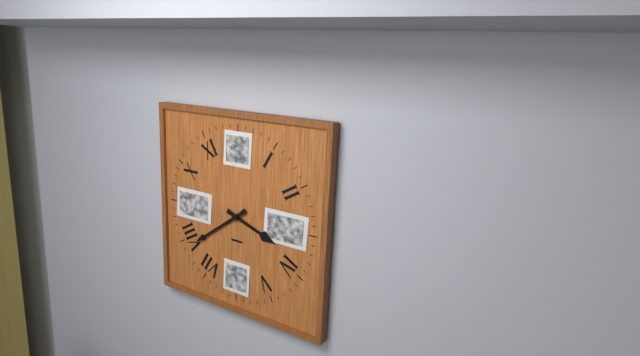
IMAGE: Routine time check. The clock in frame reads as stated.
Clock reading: 3:39
